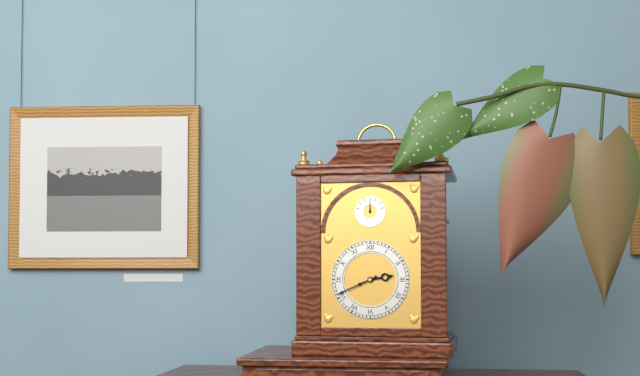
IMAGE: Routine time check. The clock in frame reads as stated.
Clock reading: 2:41
